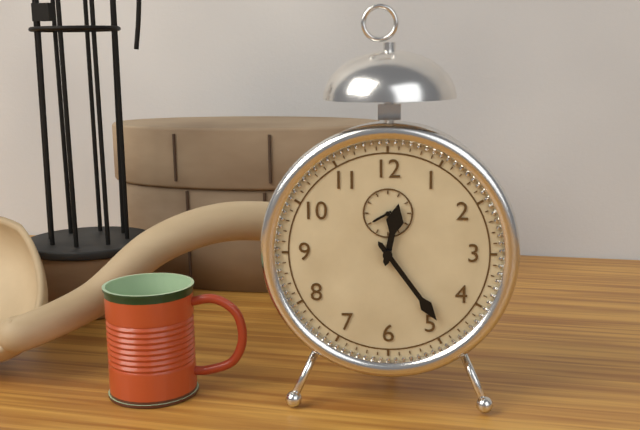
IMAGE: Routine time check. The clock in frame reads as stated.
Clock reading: 12:24
